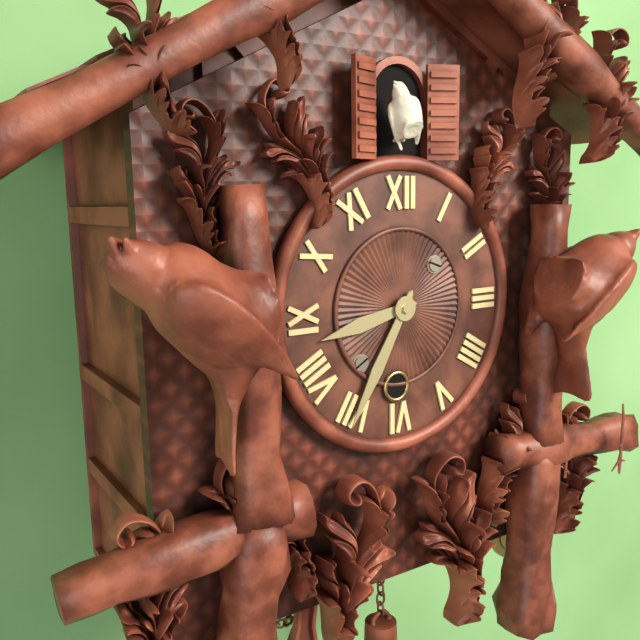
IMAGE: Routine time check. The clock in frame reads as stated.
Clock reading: 8:35
